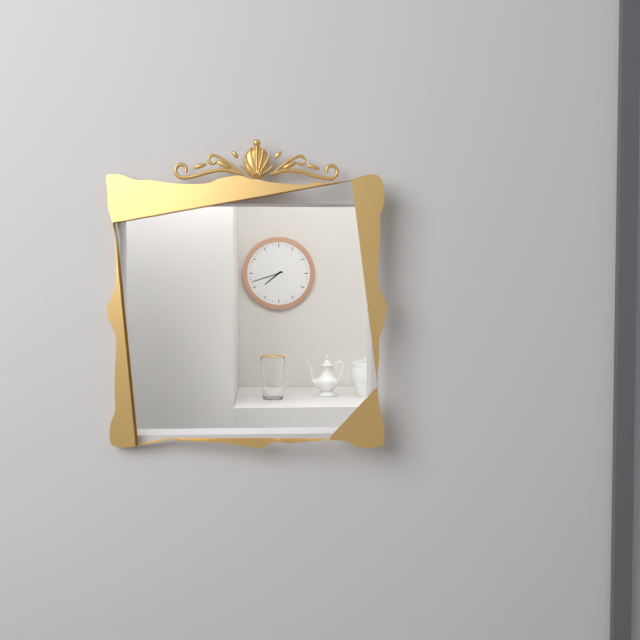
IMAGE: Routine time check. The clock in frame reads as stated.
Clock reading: 7:42
